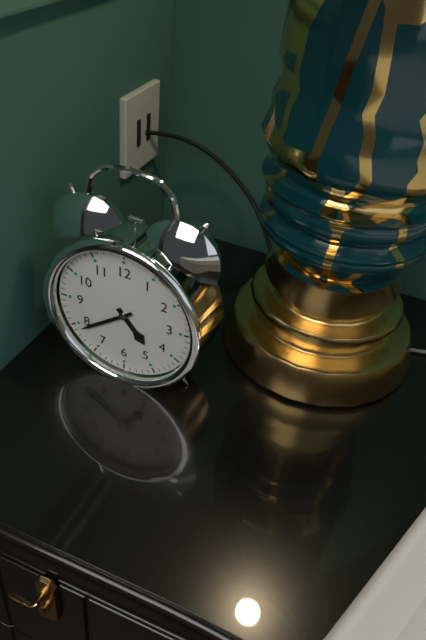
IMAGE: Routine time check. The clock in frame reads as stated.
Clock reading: 4:39
